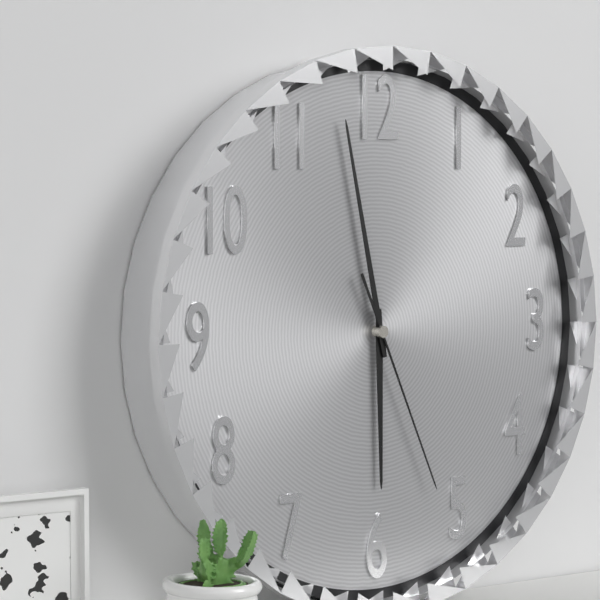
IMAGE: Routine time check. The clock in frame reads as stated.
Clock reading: 5:58:26
